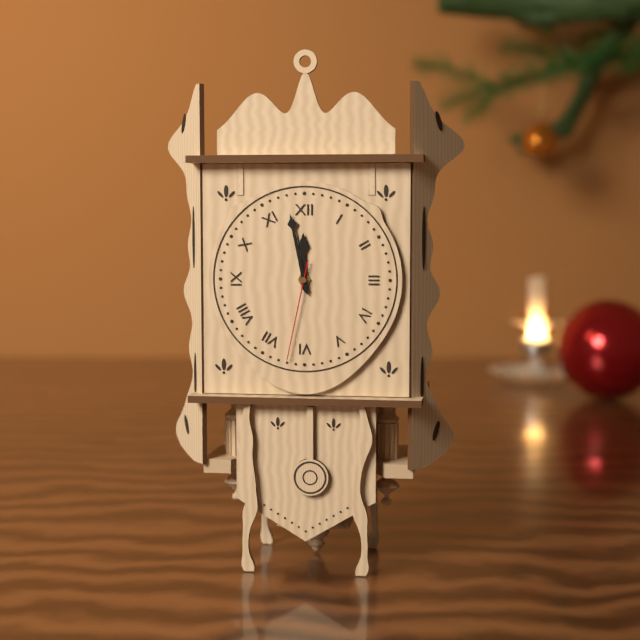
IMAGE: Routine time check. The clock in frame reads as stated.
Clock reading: 11:58:32
